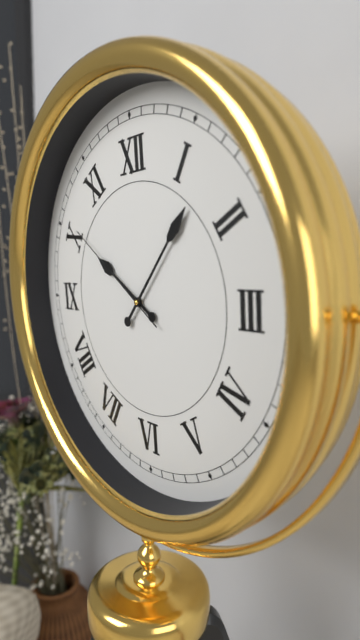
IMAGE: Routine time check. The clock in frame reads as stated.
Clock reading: 10:07:51
